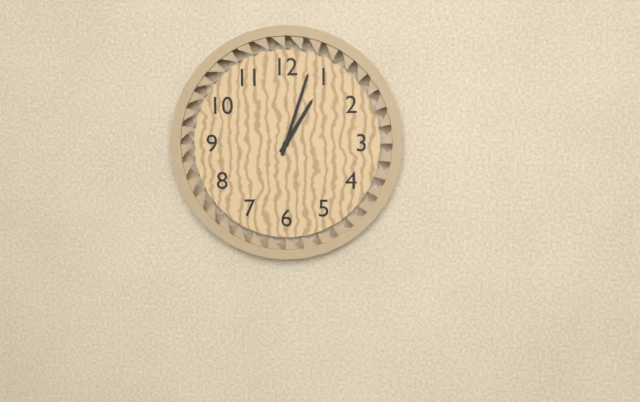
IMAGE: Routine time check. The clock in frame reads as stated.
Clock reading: 1:03
